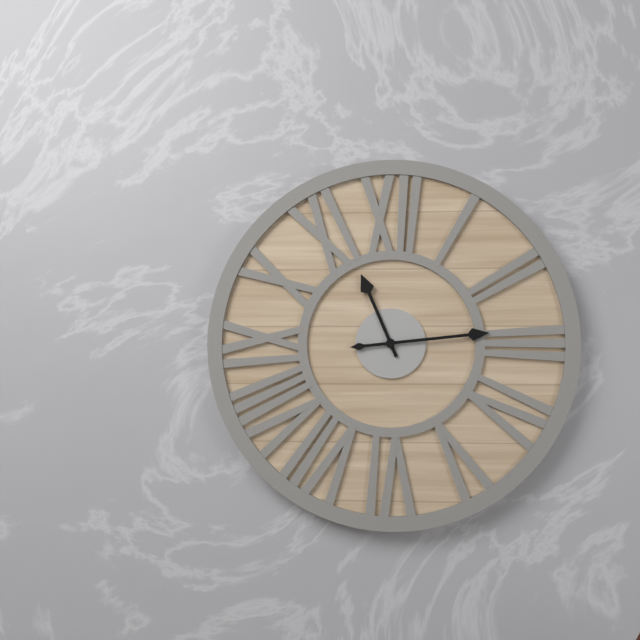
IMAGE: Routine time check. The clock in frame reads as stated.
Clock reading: 11:14
